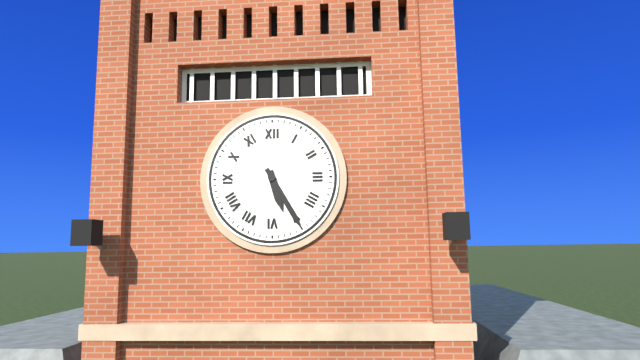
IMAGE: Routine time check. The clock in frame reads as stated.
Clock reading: 5:25
